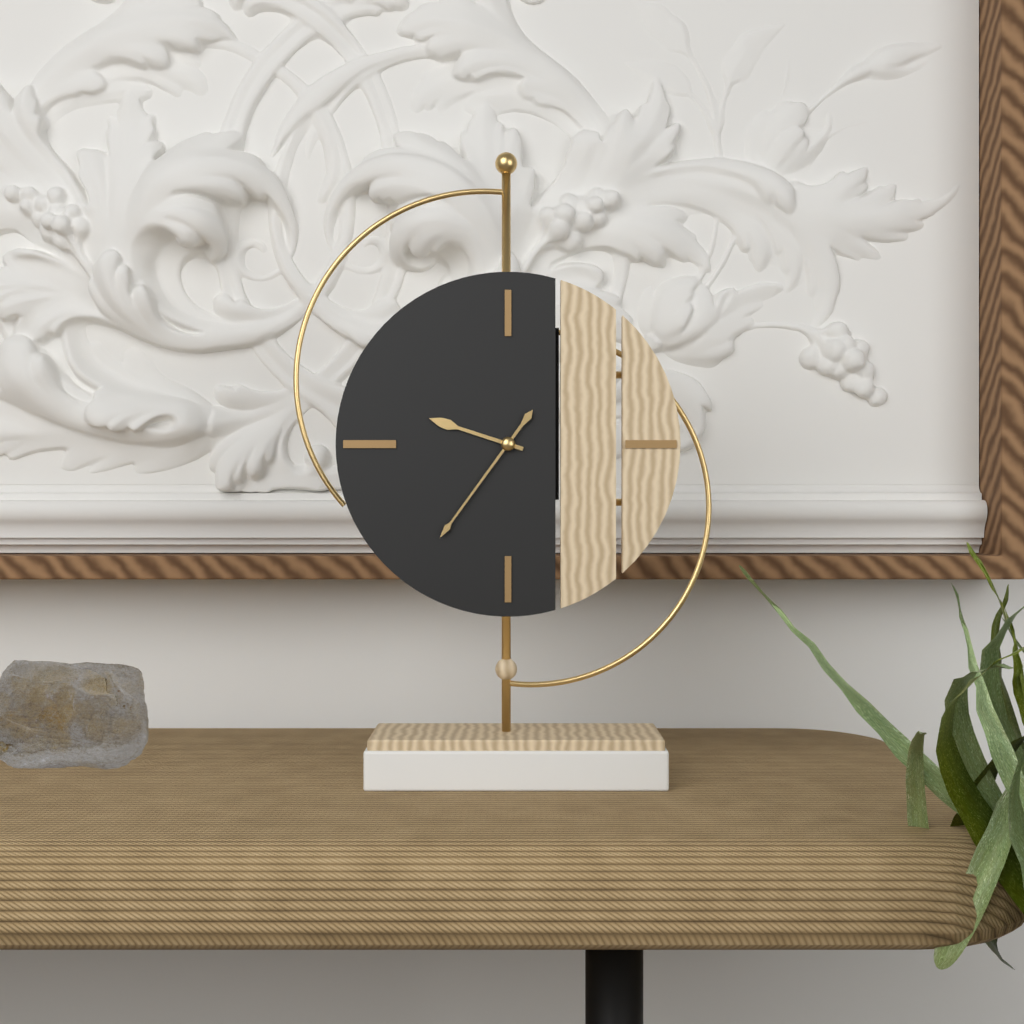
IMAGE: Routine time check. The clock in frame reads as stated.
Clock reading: 9:36
